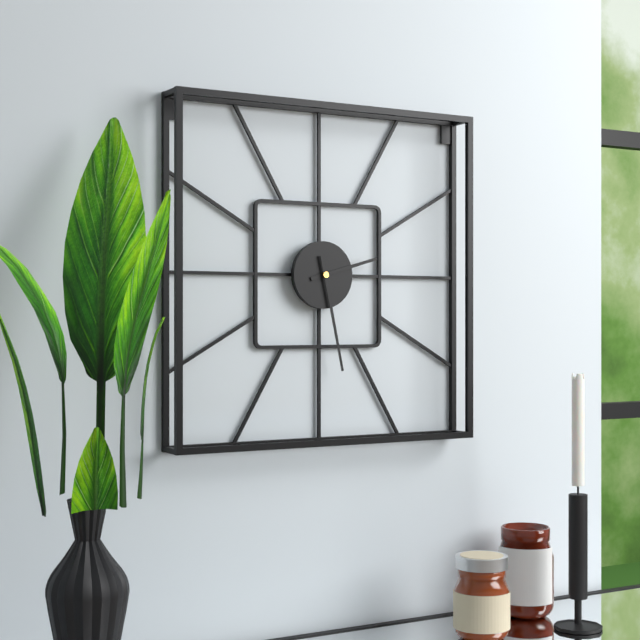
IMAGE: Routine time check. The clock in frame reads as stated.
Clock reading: 2:28
